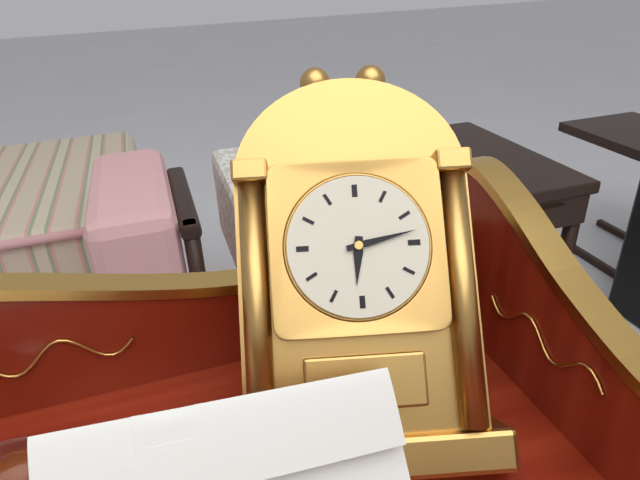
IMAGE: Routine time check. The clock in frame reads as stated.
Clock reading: 6:13
